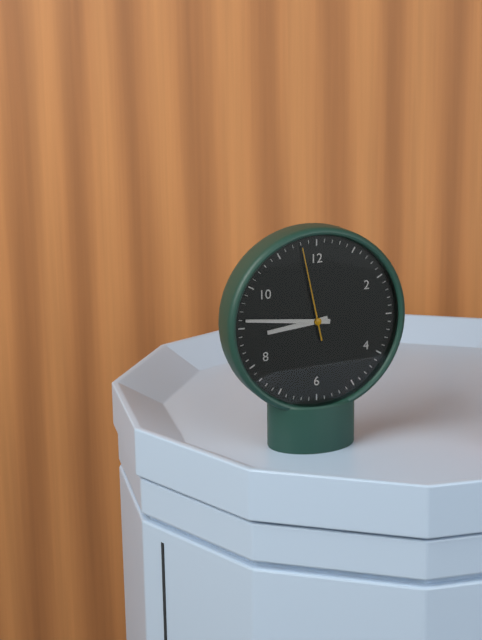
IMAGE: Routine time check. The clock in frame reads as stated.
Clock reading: 8:46:58
